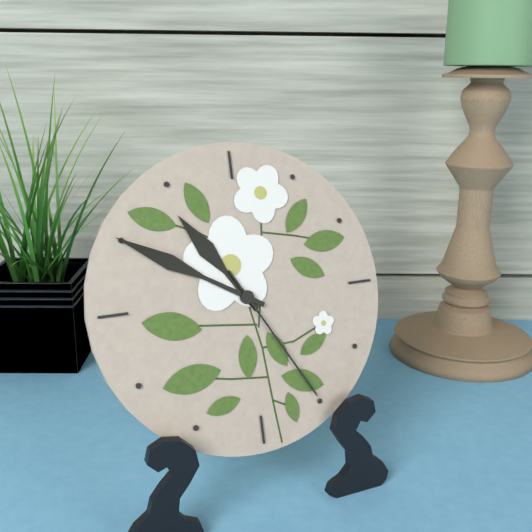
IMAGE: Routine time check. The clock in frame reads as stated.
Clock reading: 10:50:25
